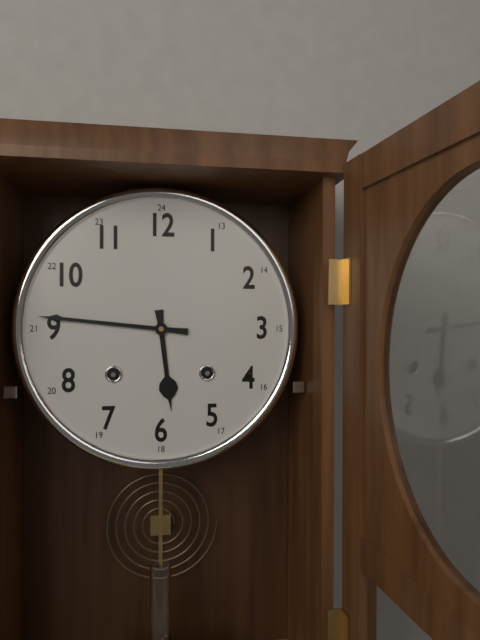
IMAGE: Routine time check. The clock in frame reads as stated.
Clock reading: 5:46
